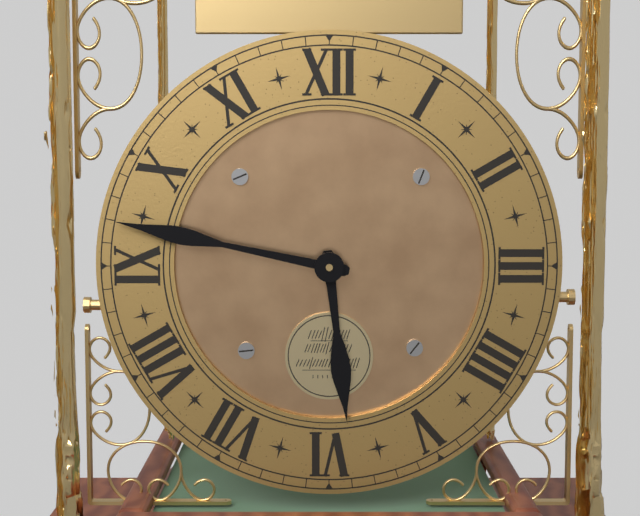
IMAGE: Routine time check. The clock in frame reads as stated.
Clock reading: 5:47
